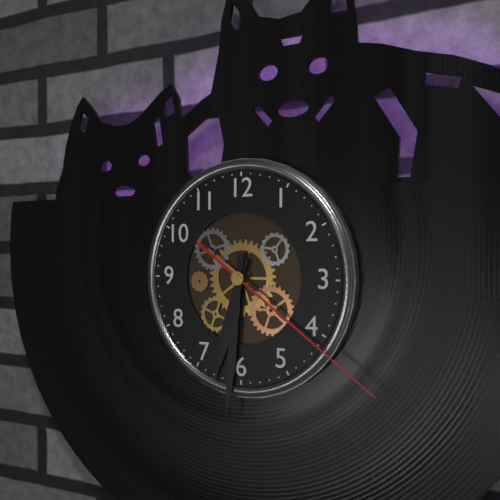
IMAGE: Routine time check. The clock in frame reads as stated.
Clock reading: 6:31:21
